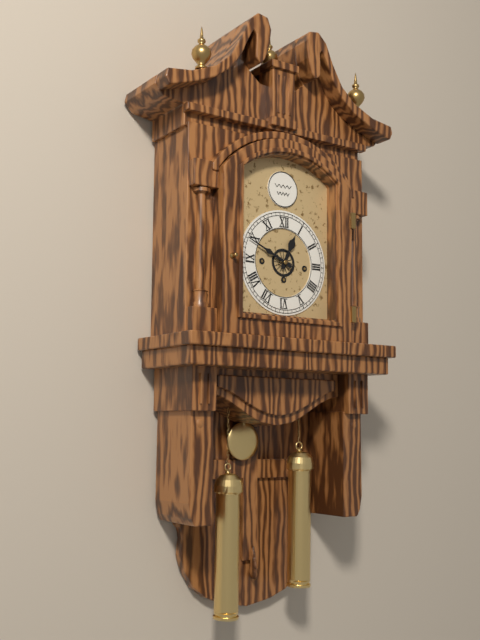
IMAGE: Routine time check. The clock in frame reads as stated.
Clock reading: 12:49
